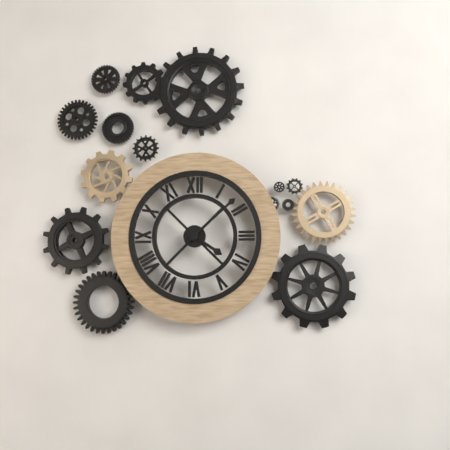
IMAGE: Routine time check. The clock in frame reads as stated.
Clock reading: 4:08
